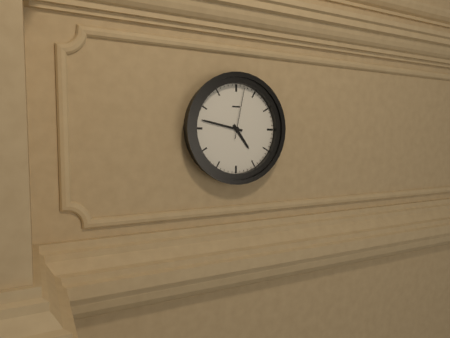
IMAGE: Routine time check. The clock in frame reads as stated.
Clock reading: 4:47:02
